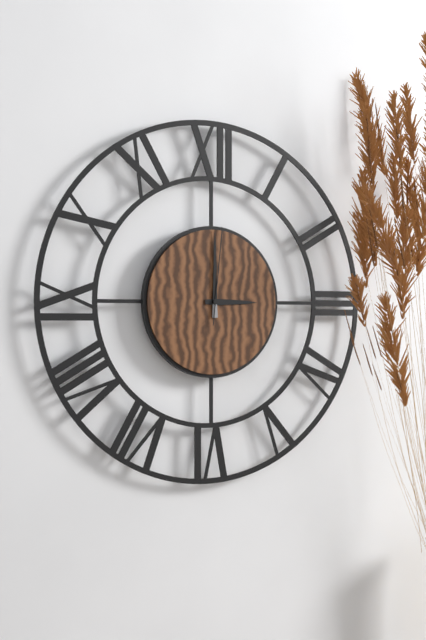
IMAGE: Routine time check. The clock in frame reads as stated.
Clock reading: 3:00:01
